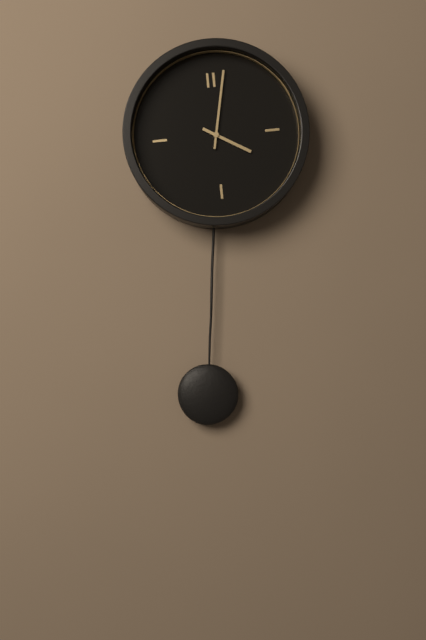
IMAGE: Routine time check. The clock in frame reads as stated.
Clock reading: 4:02
